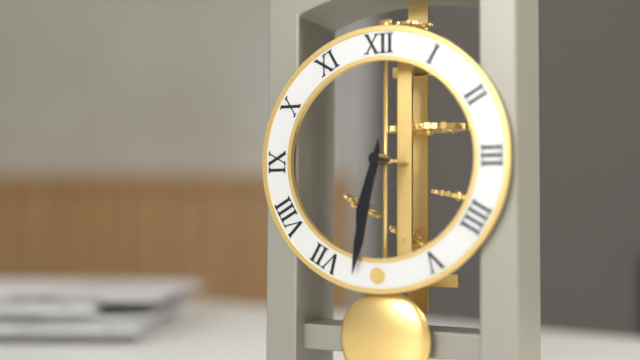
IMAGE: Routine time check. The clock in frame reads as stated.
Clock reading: 6:32
